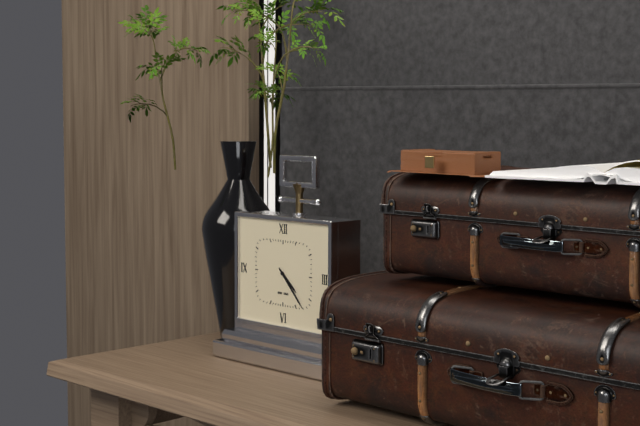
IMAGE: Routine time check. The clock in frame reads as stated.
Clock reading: 4:23
